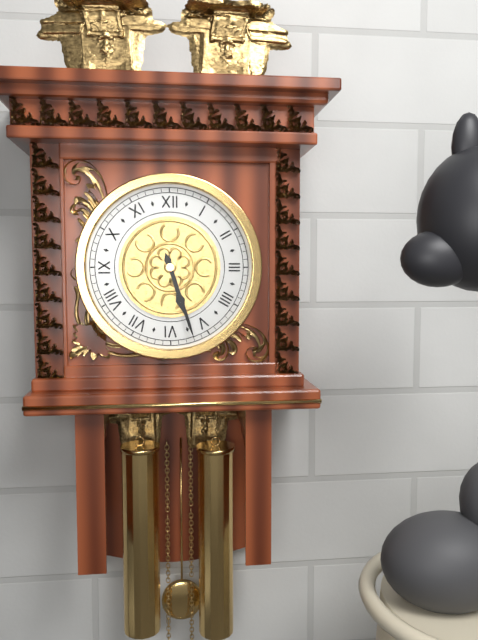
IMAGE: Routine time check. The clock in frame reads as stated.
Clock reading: 5:27
